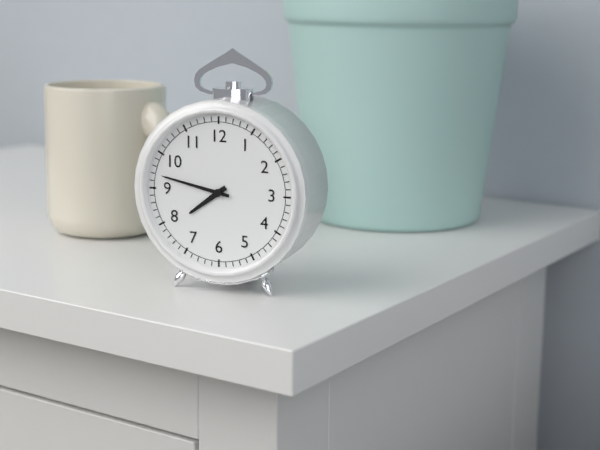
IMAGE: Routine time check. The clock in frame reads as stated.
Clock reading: 7:47
